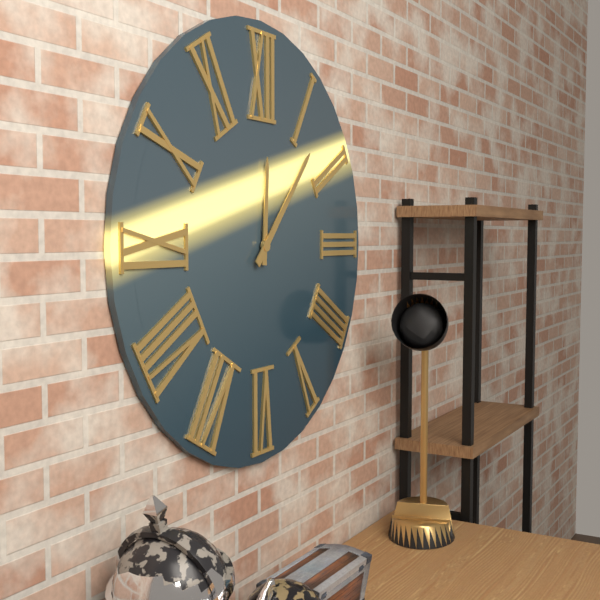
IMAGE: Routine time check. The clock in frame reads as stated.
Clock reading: 12:07
